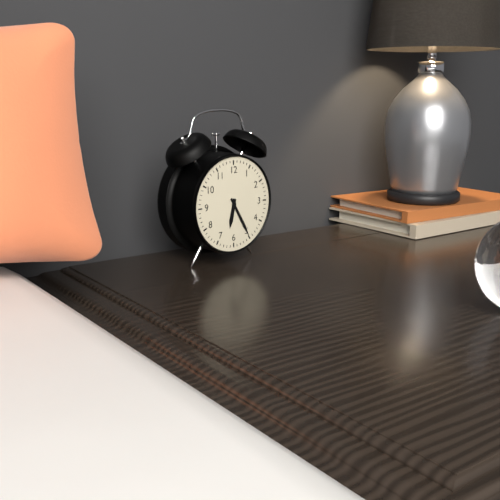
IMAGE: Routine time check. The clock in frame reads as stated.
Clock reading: 6:25
